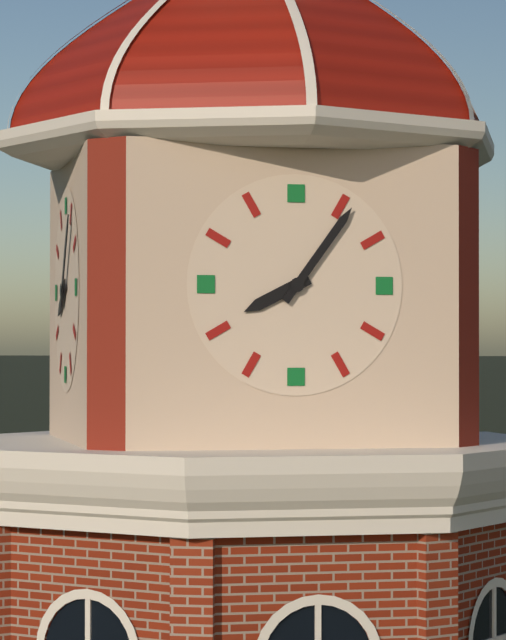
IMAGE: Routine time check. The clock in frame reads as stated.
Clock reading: 8:06
